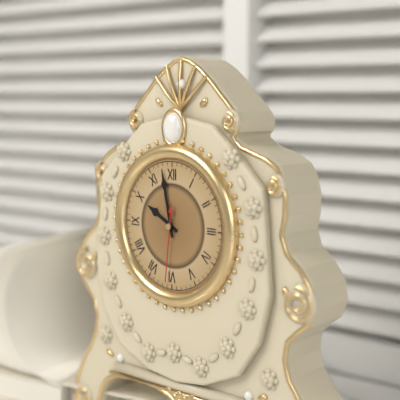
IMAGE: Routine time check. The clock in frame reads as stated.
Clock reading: 9:58:31
